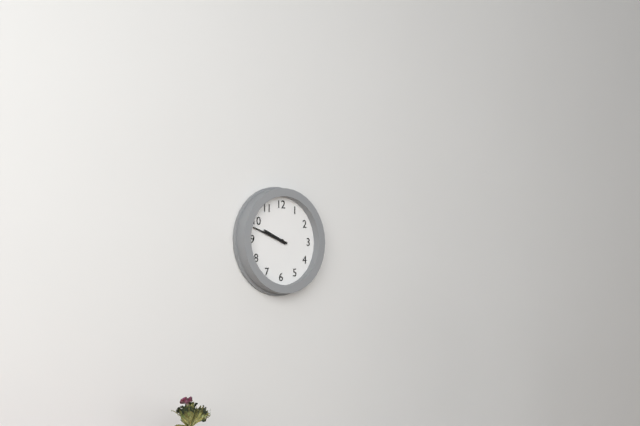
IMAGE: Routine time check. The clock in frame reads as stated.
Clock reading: 9:48
